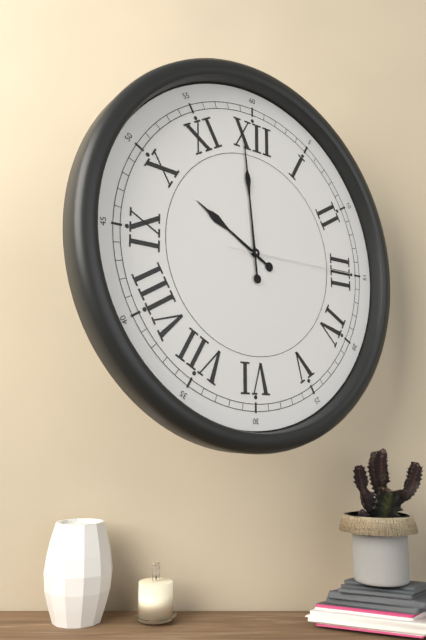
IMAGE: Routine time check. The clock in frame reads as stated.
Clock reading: 9:59:15
